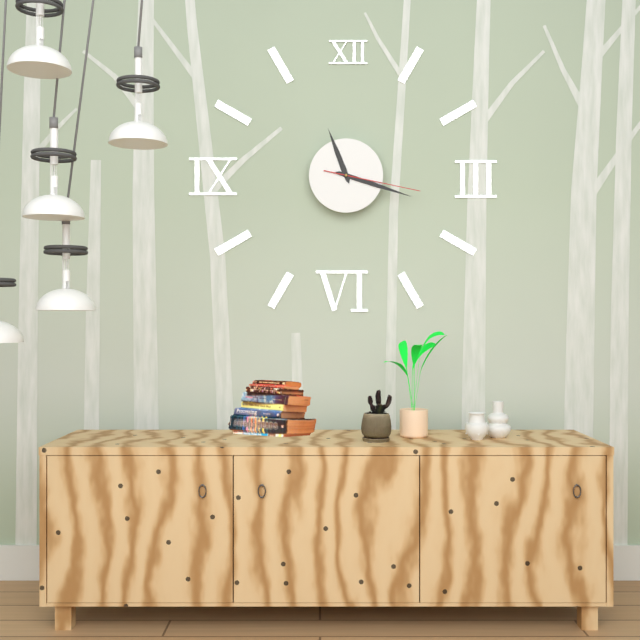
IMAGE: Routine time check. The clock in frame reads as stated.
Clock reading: 11:18:17
